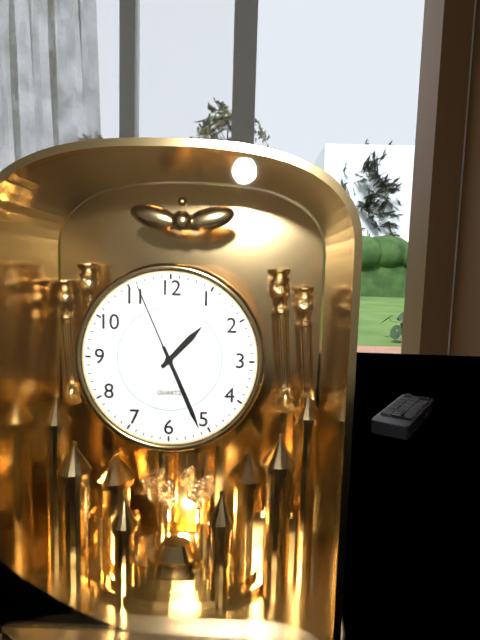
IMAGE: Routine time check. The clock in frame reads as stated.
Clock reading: 1:26:56
